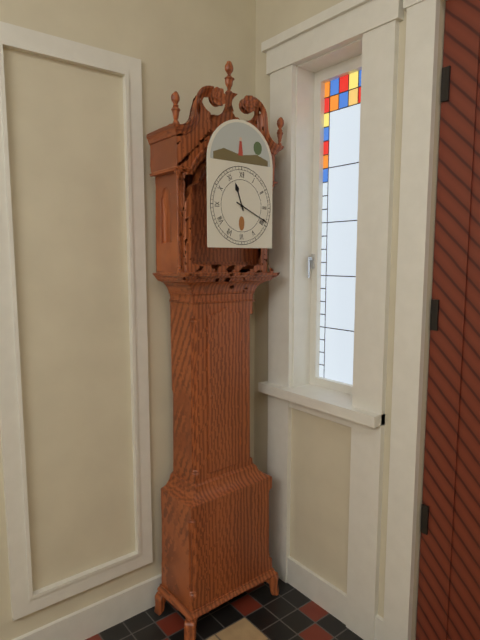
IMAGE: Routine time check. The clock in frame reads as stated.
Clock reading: 11:19
